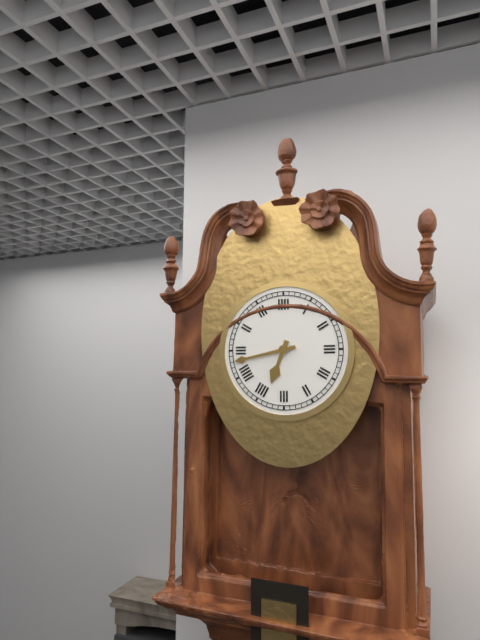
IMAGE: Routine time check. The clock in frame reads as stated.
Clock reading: 6:43
